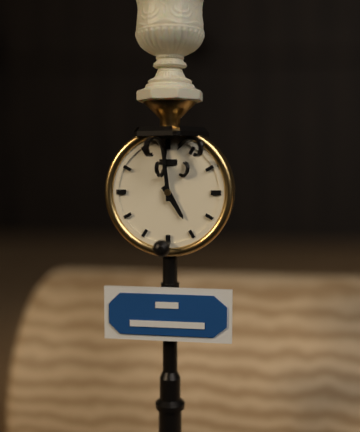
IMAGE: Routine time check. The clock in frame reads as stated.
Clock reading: 4:59
